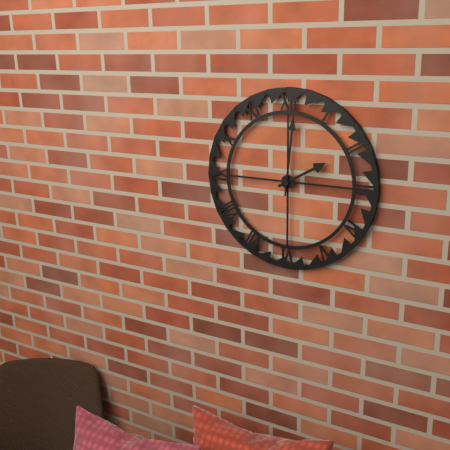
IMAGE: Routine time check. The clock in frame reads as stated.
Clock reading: 2:01
